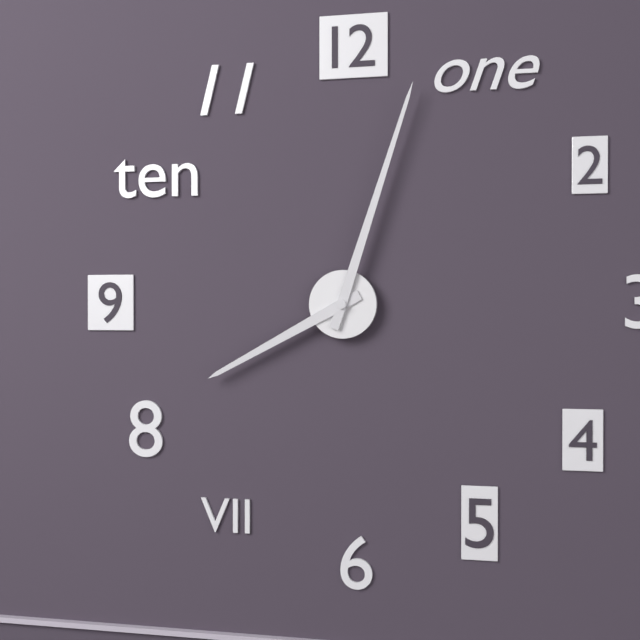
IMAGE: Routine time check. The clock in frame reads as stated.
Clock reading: 8:03
